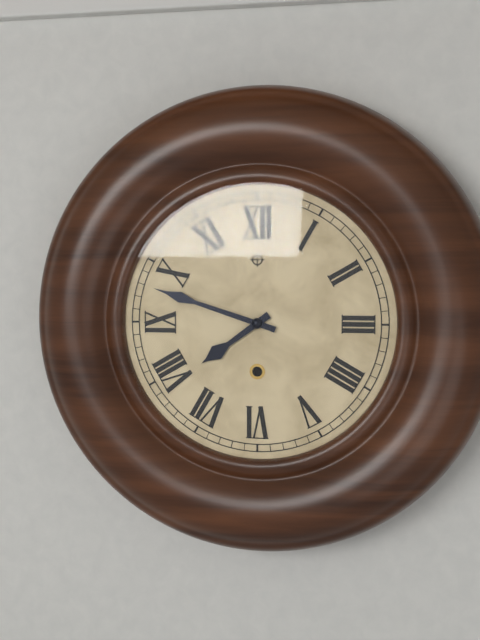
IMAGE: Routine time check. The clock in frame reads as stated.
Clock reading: 7:48
